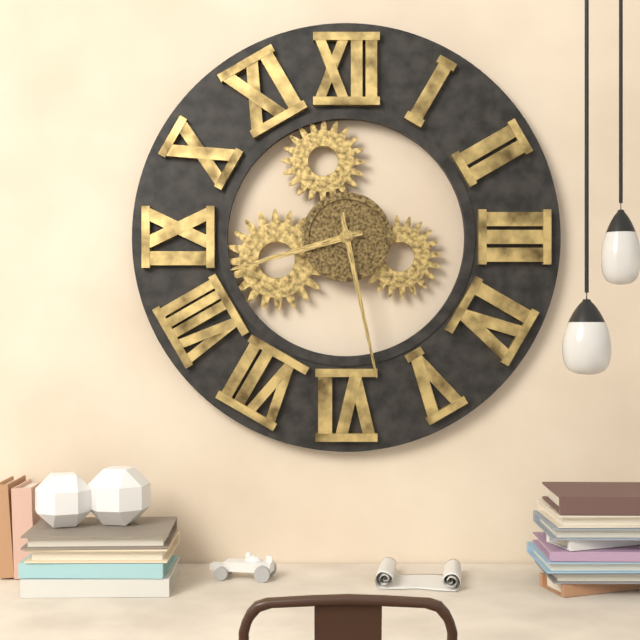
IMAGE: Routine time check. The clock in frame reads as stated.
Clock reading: 8:28
